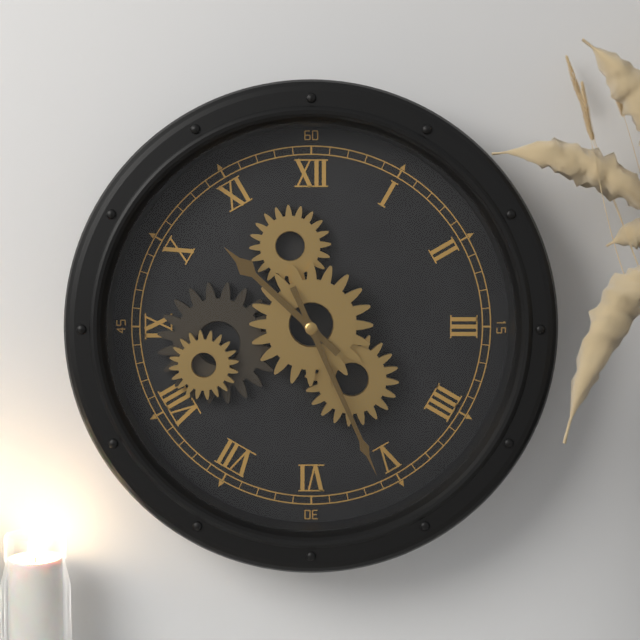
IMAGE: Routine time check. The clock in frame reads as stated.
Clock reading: 10:26
